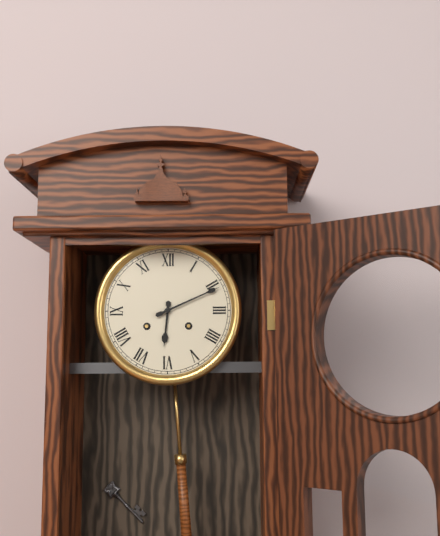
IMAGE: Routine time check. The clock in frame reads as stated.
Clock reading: 6:11
